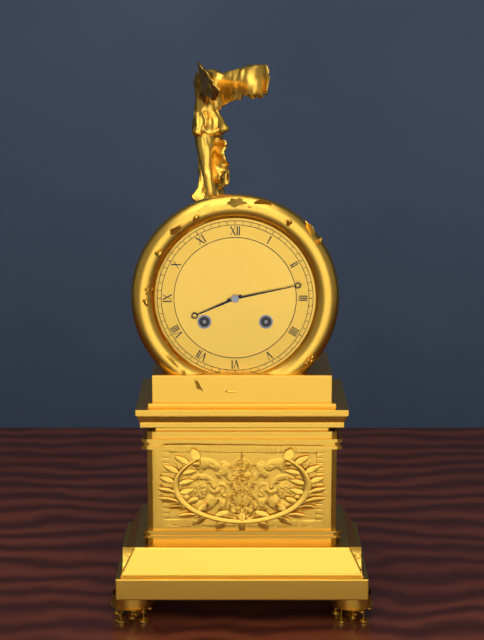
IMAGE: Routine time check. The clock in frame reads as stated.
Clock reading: 8:13
